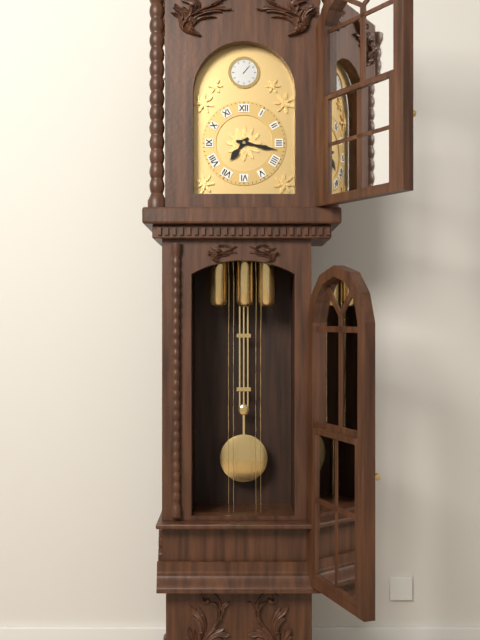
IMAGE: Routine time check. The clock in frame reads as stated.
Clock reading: 7:17
